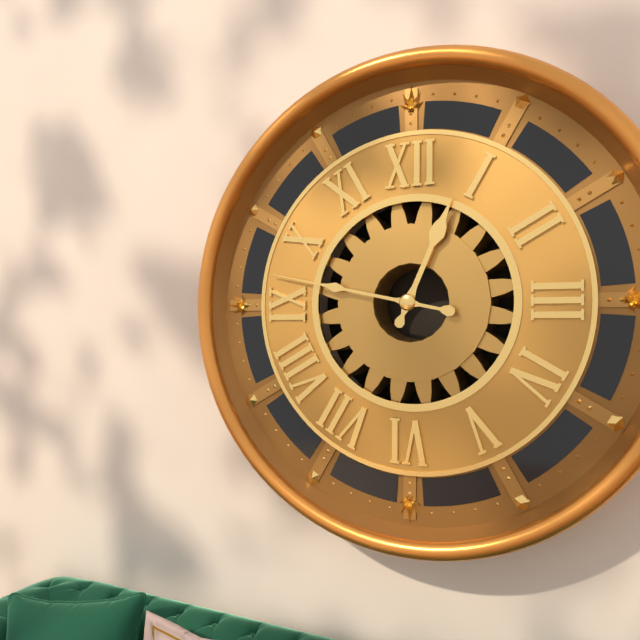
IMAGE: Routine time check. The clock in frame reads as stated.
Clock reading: 12:47
